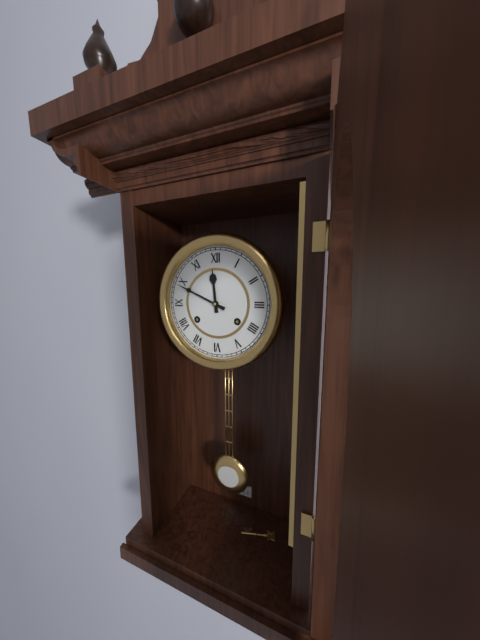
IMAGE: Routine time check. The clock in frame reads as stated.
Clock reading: 11:49
